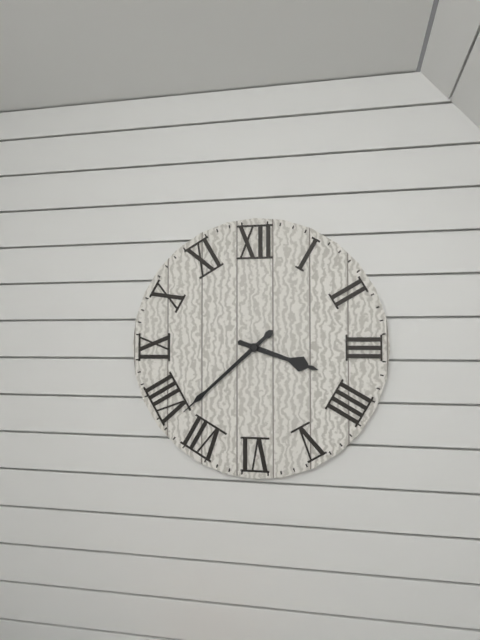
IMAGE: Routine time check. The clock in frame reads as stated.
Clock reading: 3:38
